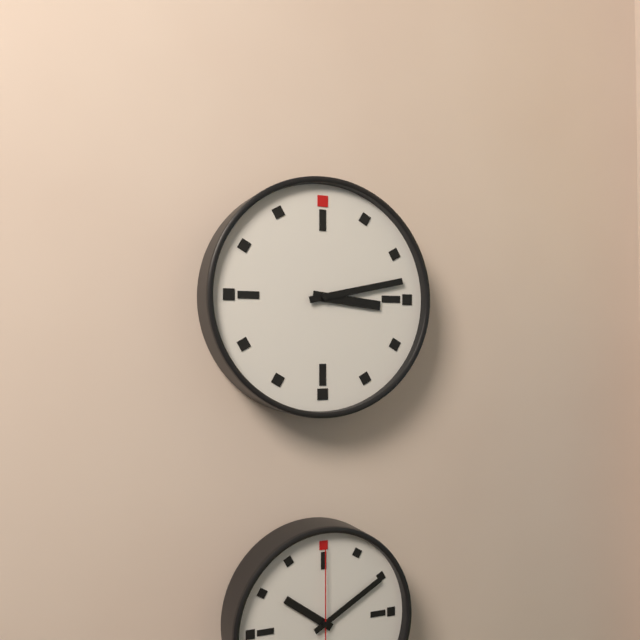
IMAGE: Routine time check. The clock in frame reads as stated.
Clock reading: 3:13
